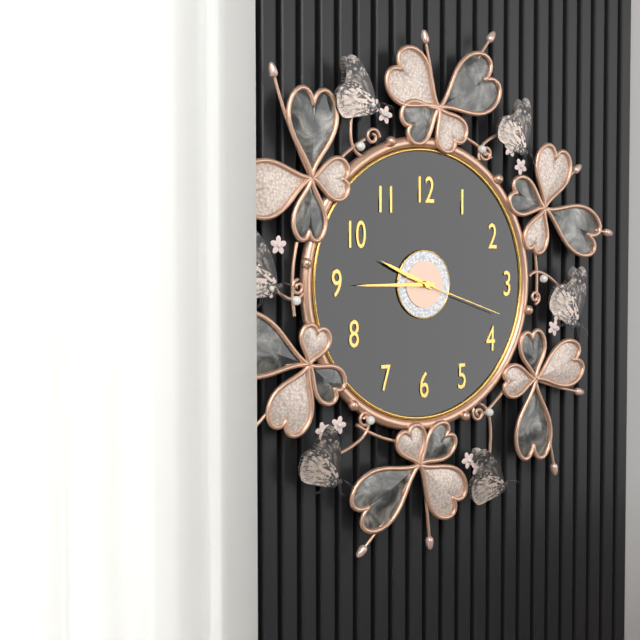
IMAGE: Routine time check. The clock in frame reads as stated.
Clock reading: 9:45:18
